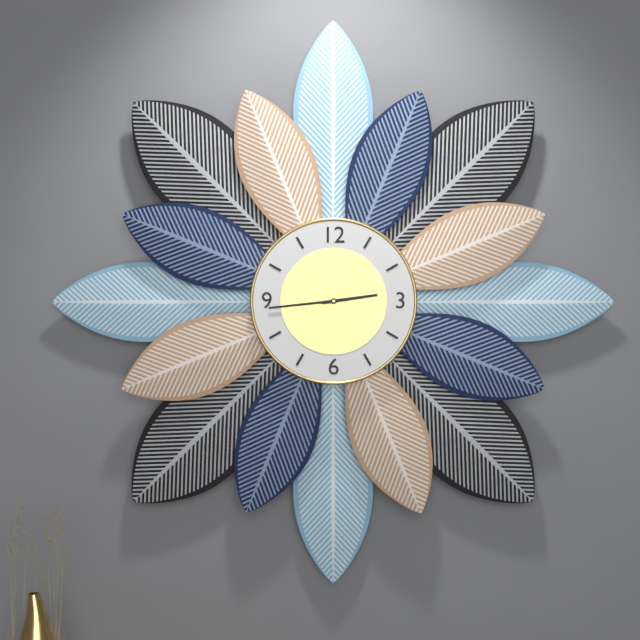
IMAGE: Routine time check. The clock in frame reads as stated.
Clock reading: 2:44:07
